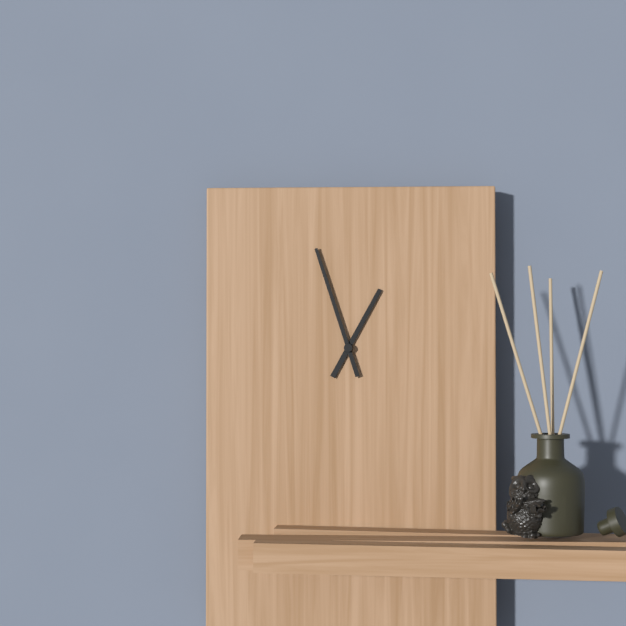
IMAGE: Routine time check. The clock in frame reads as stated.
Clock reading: 12:57
